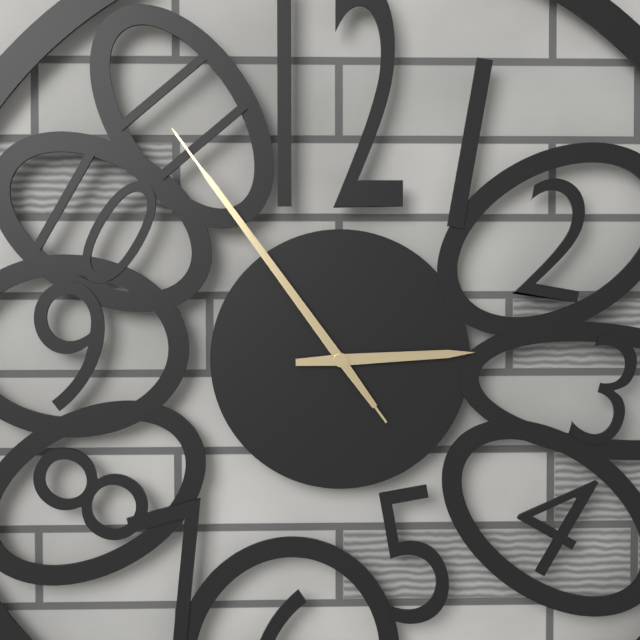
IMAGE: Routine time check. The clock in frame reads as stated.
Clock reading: 2:54:54
